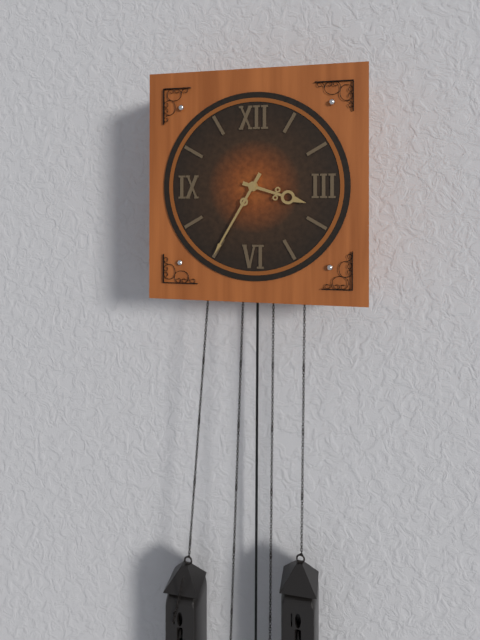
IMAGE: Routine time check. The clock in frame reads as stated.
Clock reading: 3:35
